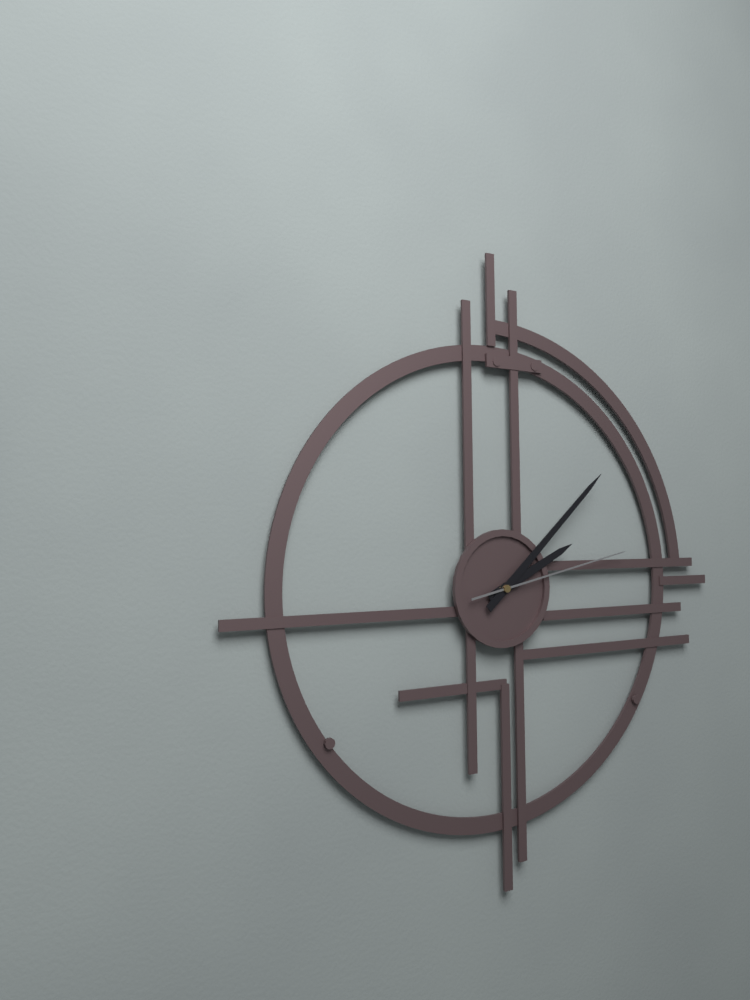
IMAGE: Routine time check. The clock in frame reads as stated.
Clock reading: 2:08:13
